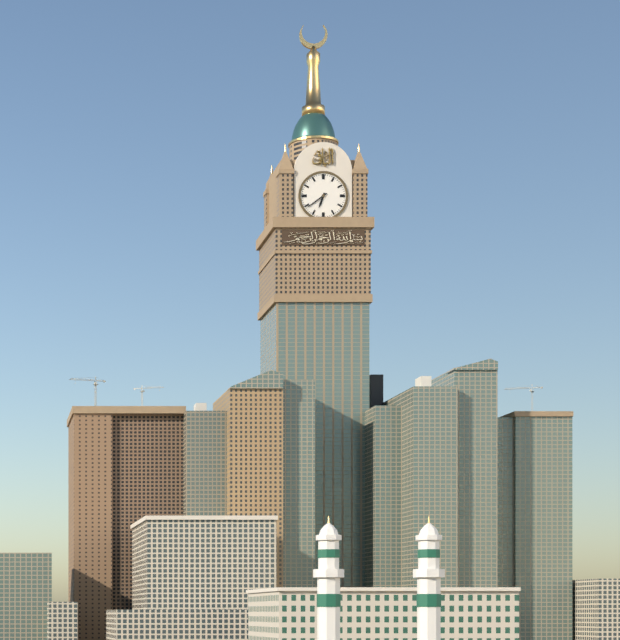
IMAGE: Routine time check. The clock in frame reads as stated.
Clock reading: 6:39
